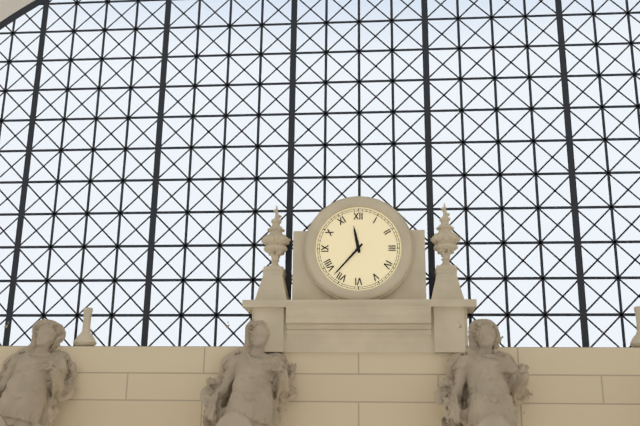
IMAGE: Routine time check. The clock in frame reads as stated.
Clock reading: 11:37
